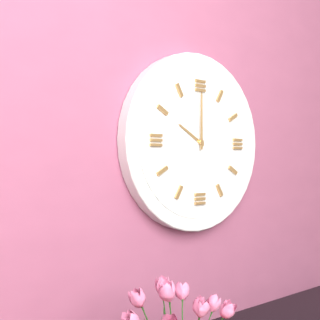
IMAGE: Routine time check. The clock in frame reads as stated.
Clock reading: 10:00
